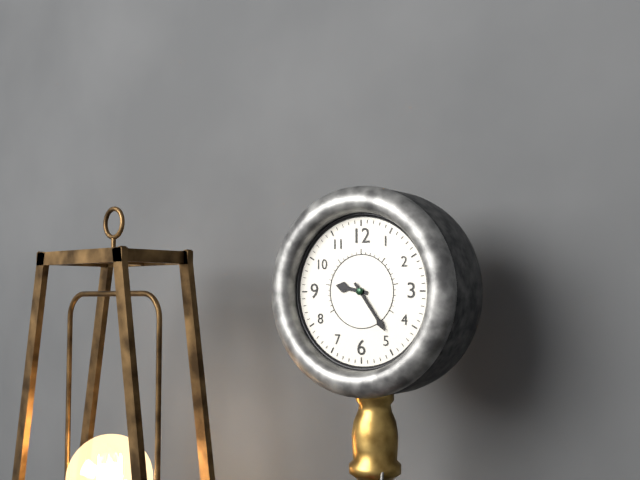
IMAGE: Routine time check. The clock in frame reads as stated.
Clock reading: 9:24
